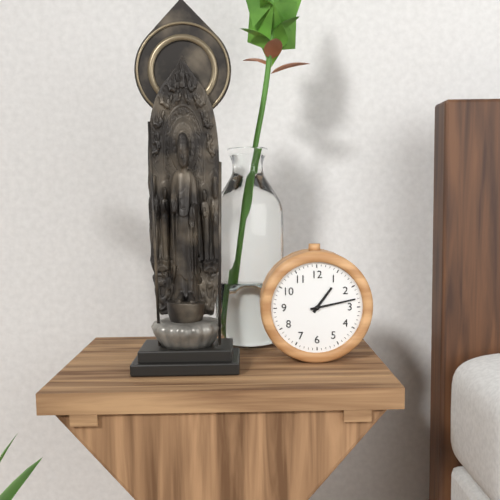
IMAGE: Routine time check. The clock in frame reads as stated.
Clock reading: 1:13
